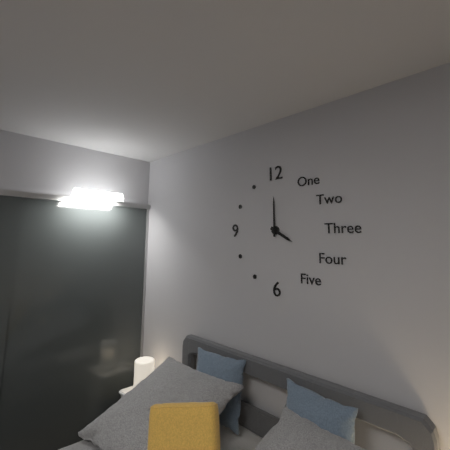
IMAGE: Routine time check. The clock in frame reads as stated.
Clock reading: 4:00
